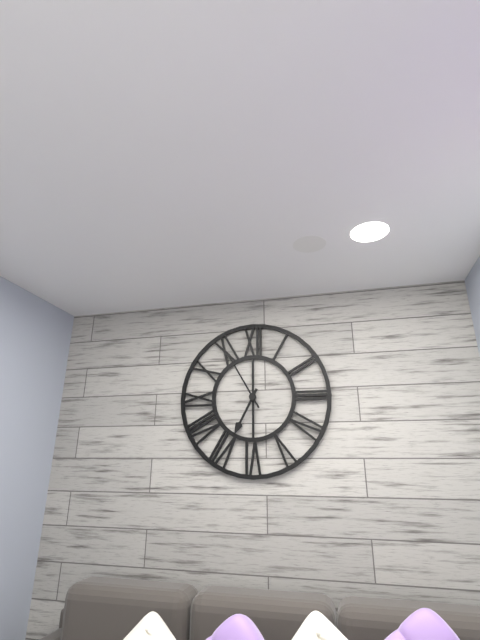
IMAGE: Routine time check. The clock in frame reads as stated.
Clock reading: 6:55
